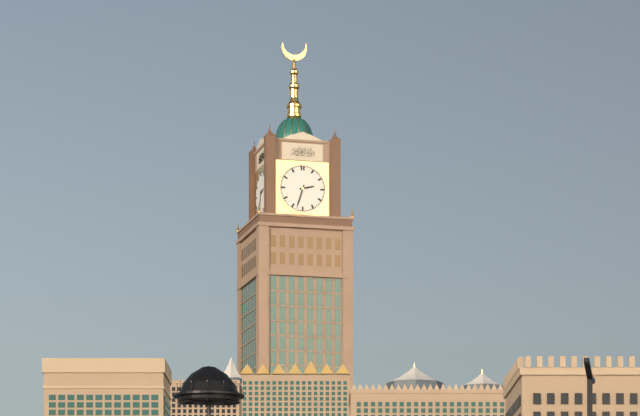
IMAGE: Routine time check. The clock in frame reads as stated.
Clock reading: 2:33
